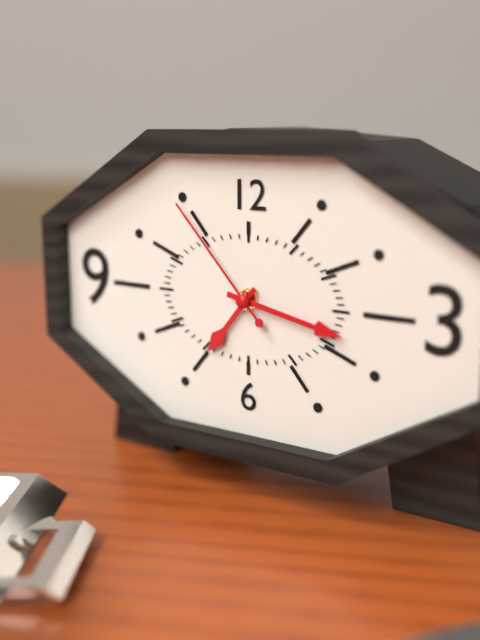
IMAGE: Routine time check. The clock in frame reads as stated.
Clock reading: 7:17:53
